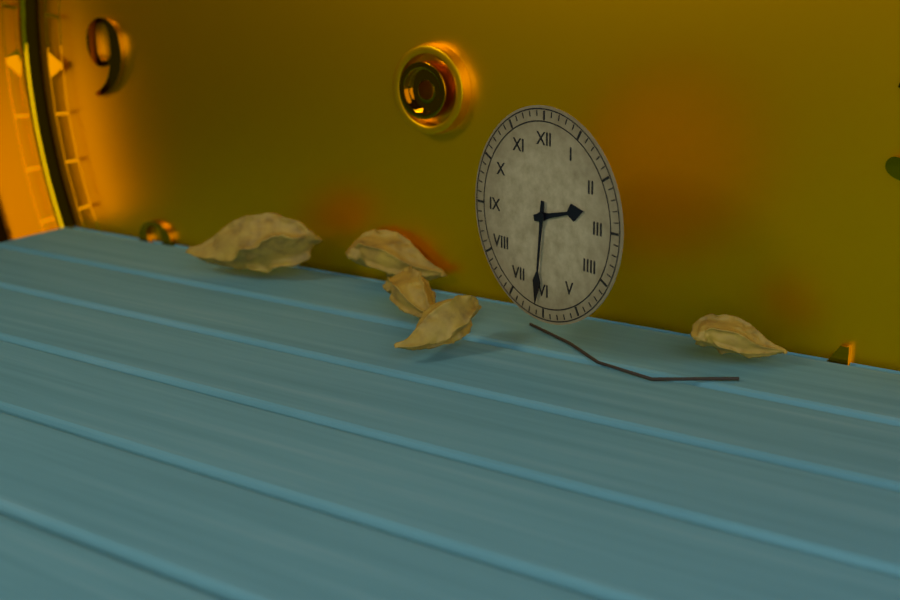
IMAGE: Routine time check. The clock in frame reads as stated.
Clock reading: 2:31
